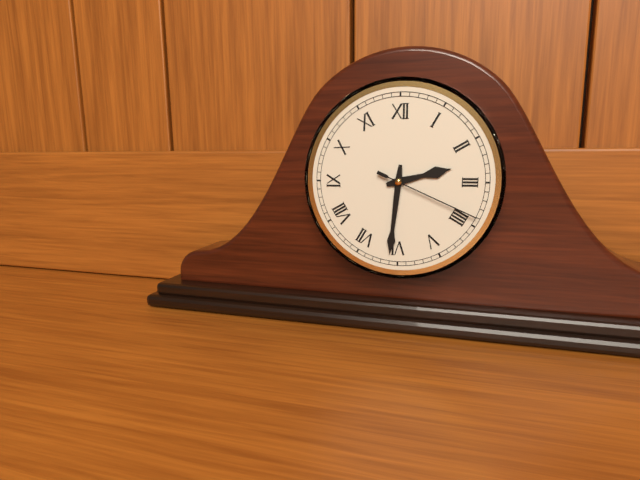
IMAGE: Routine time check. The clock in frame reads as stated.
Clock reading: 2:31:19
